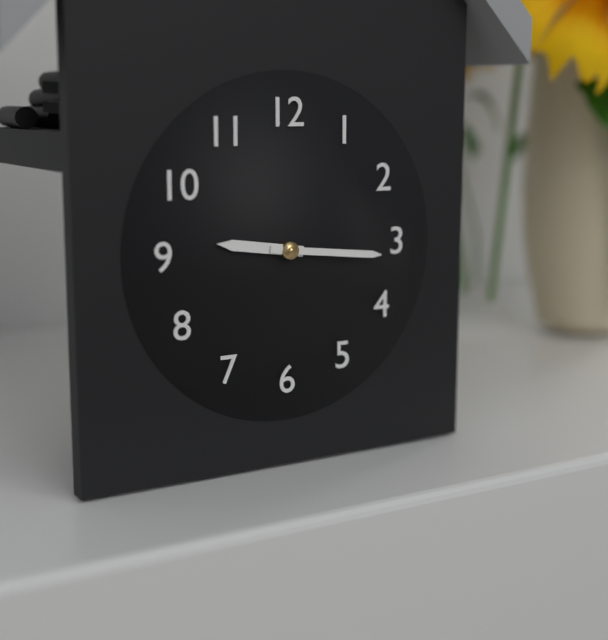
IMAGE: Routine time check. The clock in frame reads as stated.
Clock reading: 9:16
